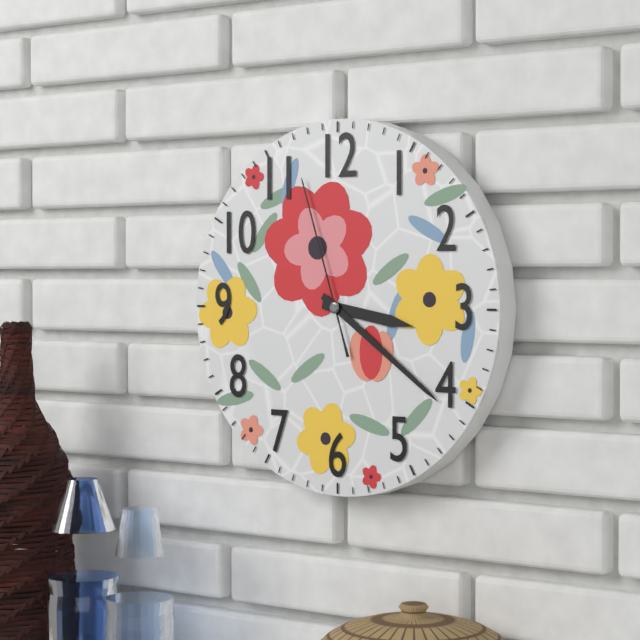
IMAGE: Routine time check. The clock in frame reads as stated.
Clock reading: 3:21:57
